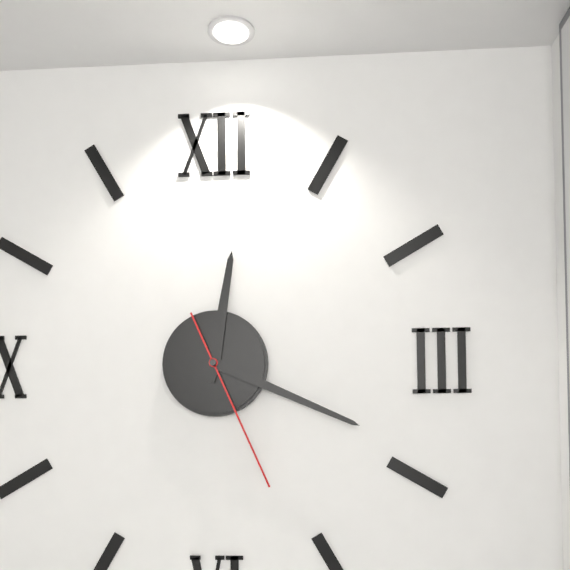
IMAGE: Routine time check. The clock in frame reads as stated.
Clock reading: 12:19:26
